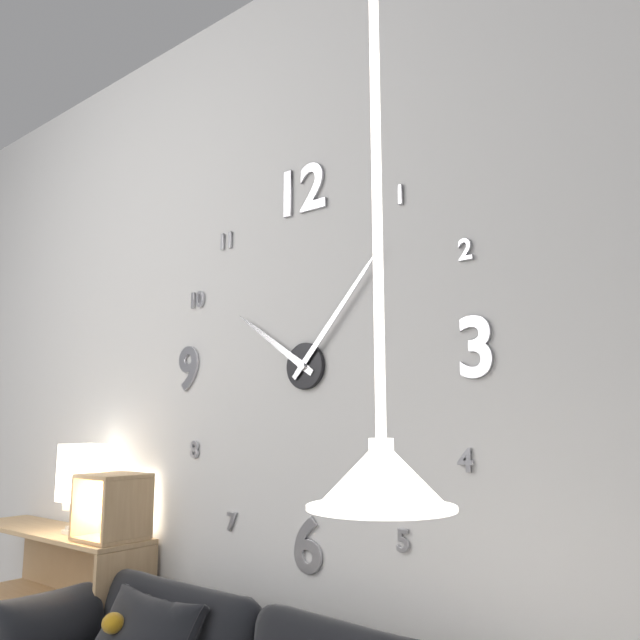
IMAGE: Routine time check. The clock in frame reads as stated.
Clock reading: 10:07
